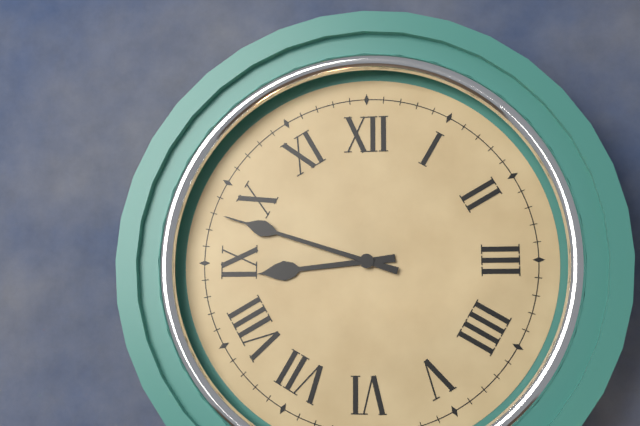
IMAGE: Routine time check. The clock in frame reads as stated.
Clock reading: 8:48
